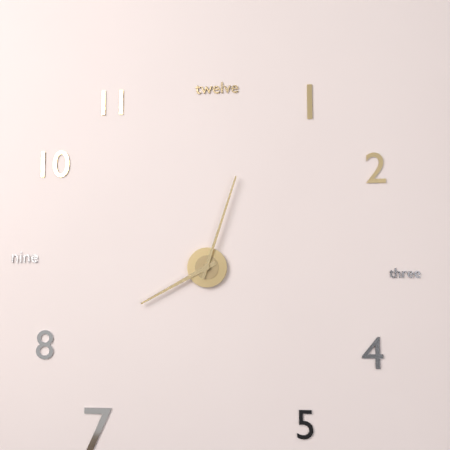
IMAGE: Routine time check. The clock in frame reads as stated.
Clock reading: 8:03
